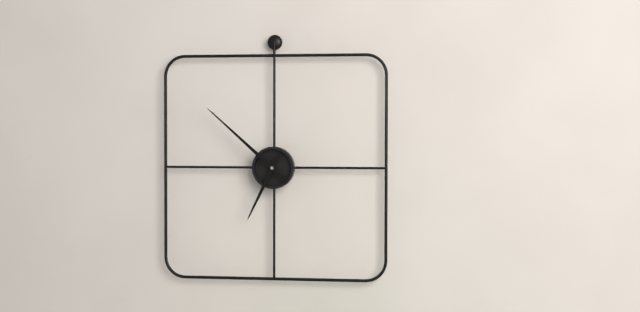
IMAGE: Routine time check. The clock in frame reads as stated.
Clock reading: 6:52
